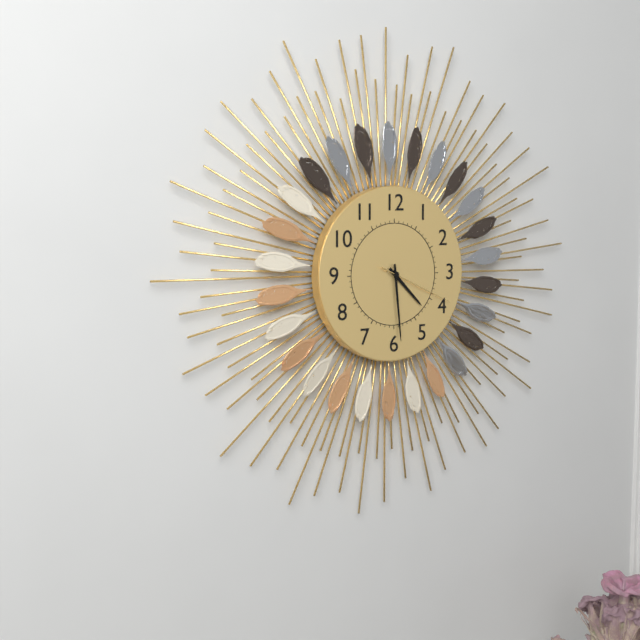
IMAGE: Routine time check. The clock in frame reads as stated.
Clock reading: 4:29:19
